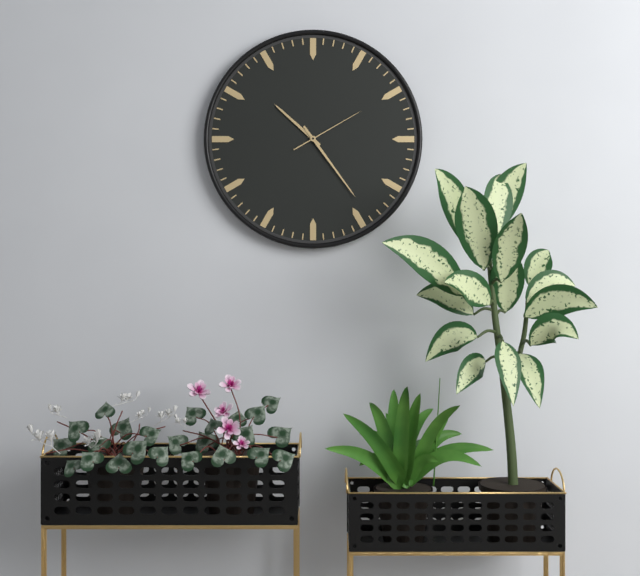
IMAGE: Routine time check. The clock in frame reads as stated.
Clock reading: 10:24:10
